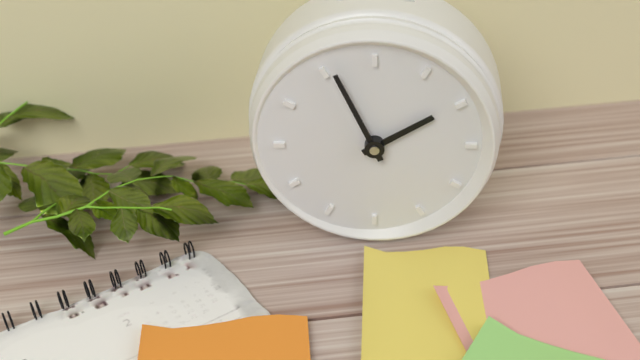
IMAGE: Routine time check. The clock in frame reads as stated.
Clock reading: 1:56
